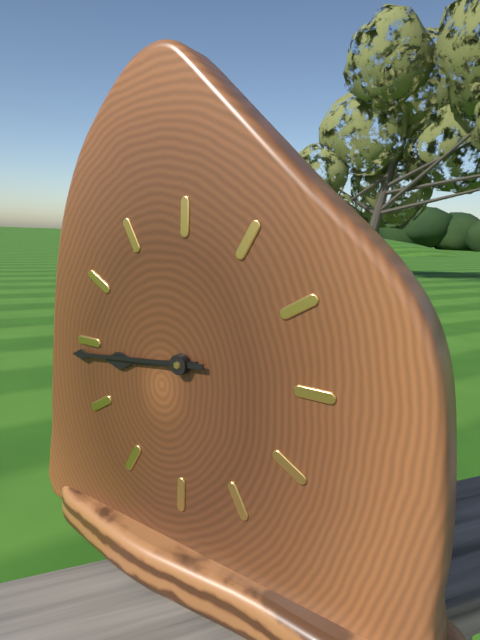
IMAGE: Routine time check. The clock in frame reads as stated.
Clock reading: 8:44
